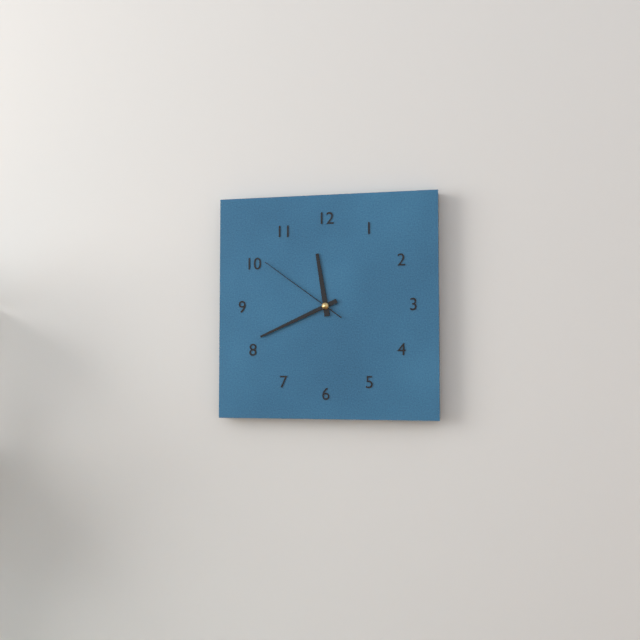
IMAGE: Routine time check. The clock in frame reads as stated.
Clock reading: 11:41:51
